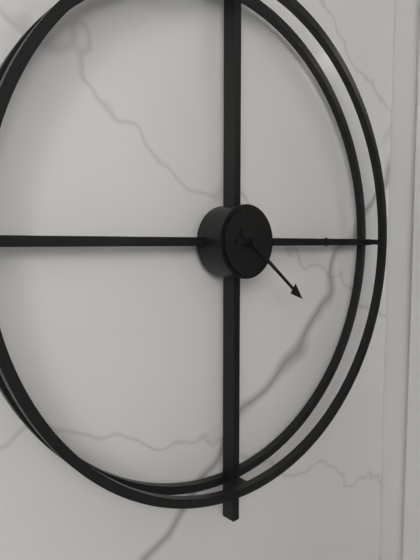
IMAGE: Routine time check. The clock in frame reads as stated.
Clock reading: 4:15
